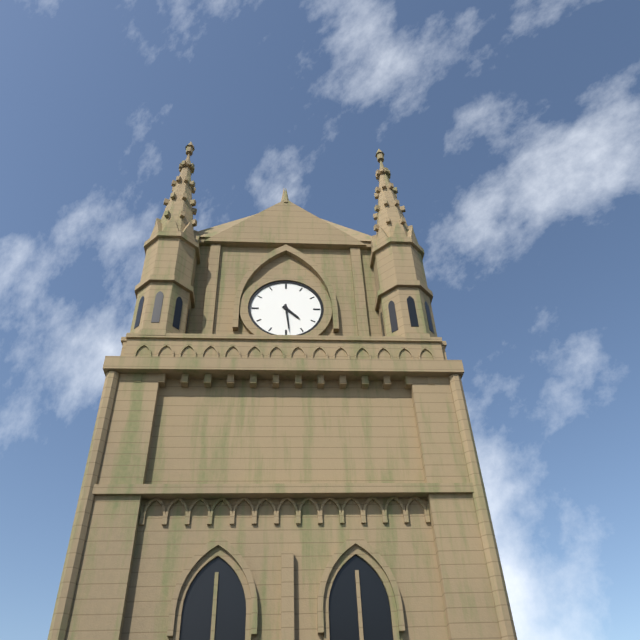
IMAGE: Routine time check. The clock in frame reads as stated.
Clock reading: 4:29
